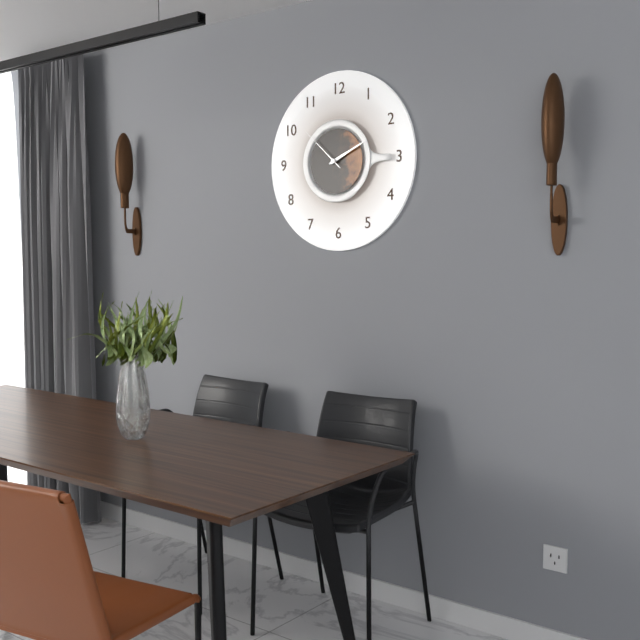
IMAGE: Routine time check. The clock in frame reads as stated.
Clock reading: 2:11
